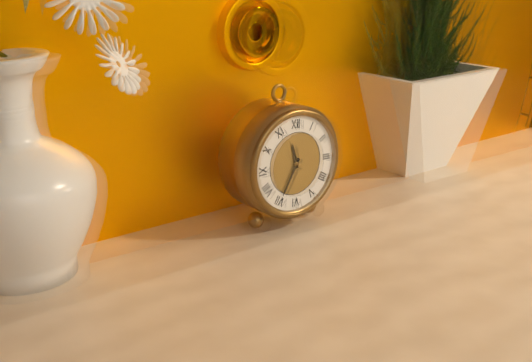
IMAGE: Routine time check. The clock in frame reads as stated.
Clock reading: 11:35
